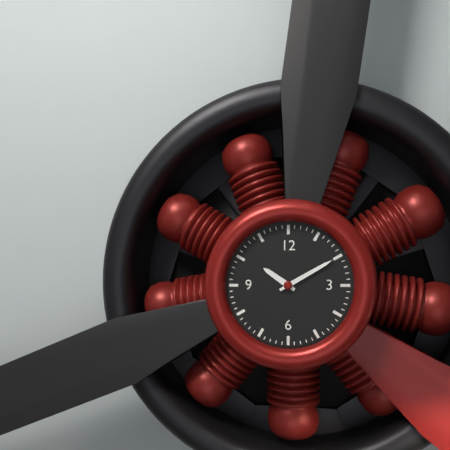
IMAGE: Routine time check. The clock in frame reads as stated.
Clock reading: 10:10
